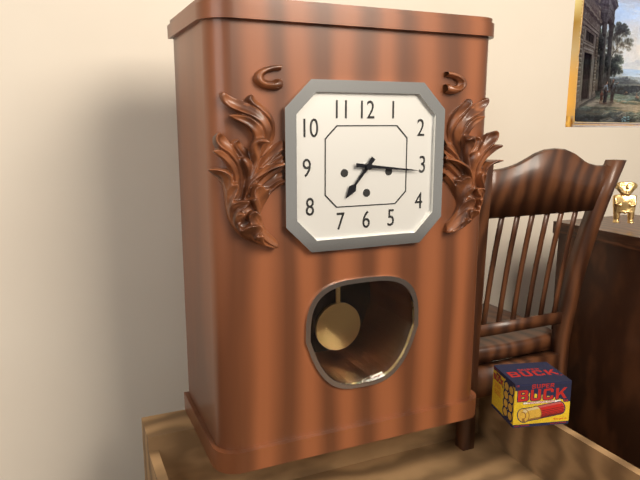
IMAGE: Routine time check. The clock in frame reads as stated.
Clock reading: 7:16
